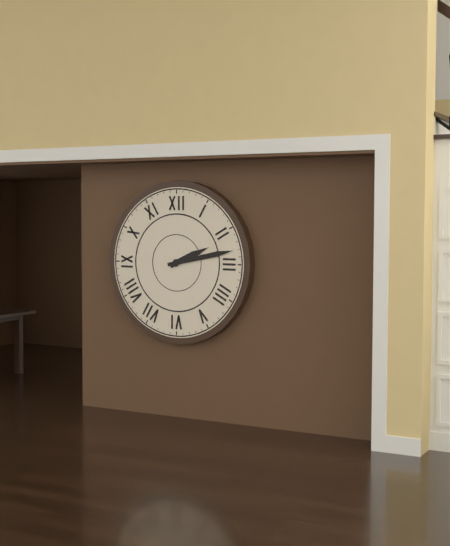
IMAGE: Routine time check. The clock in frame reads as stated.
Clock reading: 2:13
